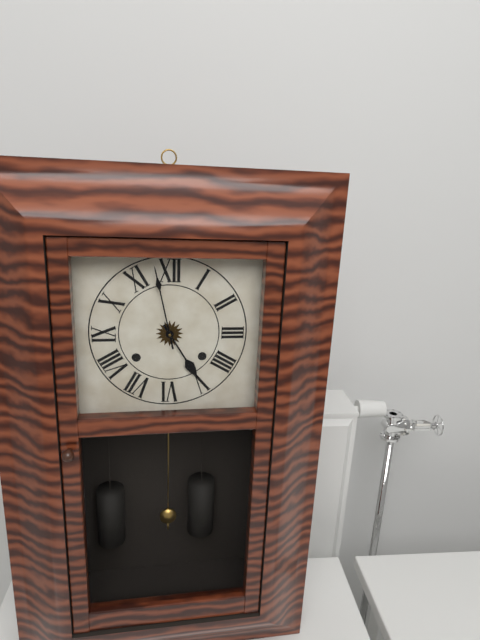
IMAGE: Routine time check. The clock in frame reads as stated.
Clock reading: 4:58
